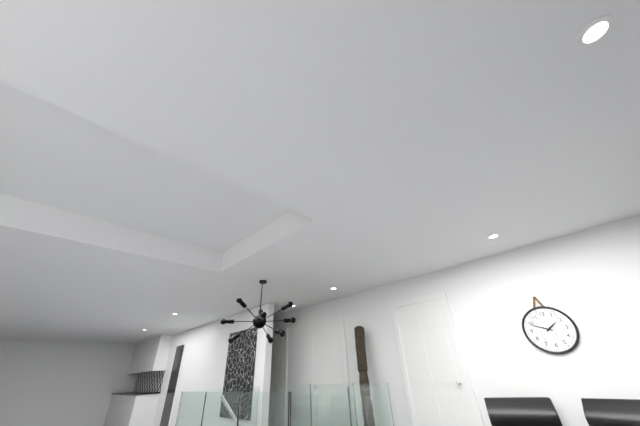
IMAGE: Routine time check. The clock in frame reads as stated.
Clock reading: 1:49
